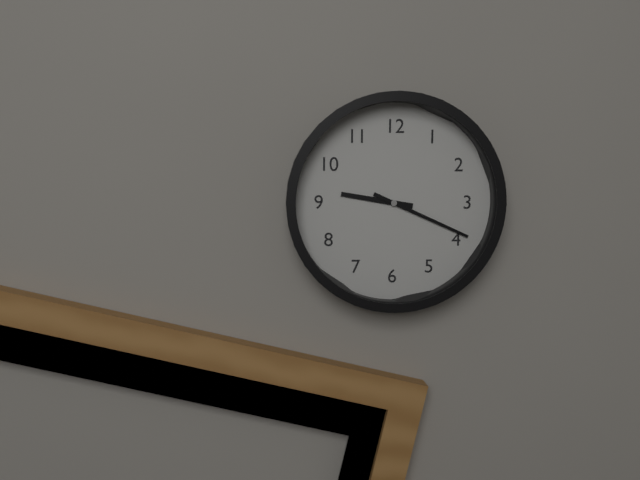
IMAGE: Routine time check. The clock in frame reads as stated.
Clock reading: 9:19
